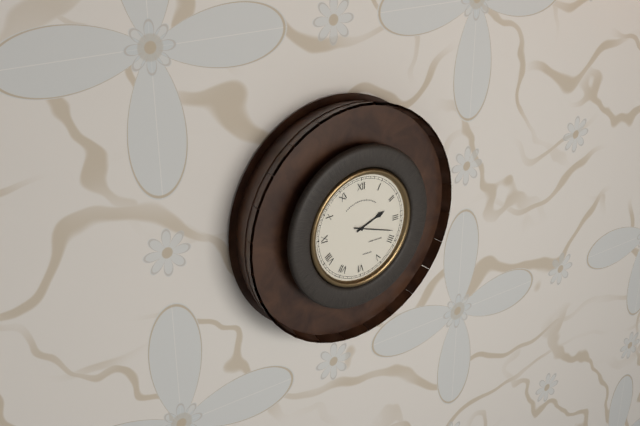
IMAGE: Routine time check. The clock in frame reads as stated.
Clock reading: 2:18
